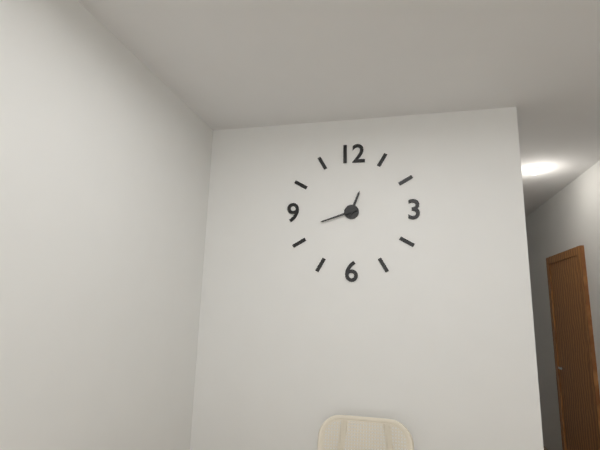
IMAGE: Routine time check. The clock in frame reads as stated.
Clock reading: 12:42
